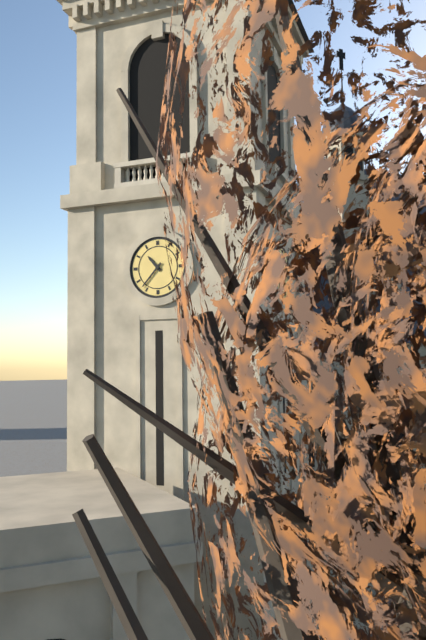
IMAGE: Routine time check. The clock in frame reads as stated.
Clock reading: 10:37
